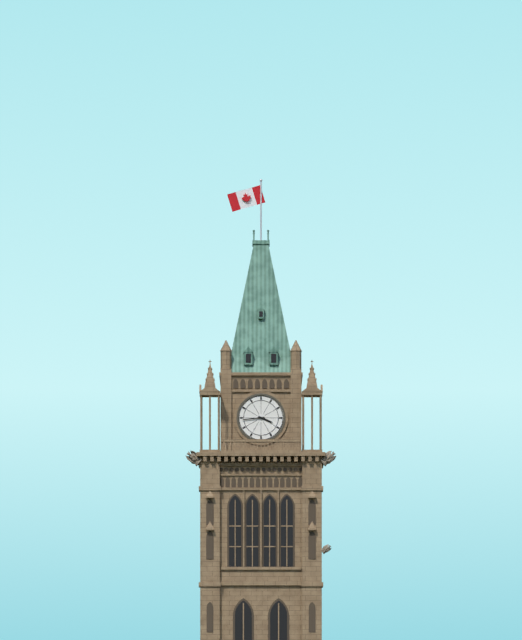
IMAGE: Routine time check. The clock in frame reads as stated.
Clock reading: 3:44
